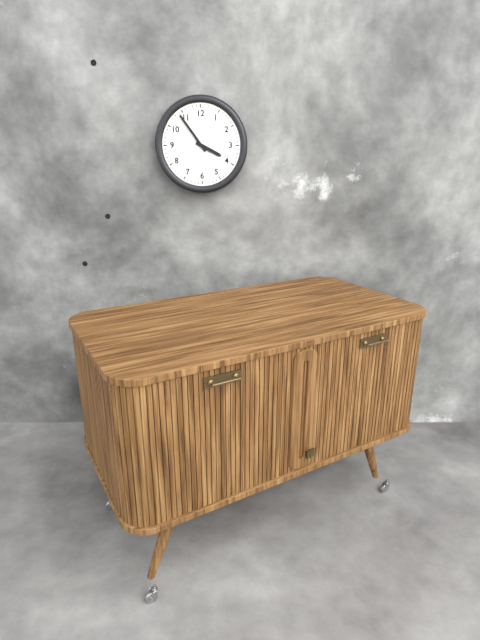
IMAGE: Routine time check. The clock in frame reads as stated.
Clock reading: 3:54
